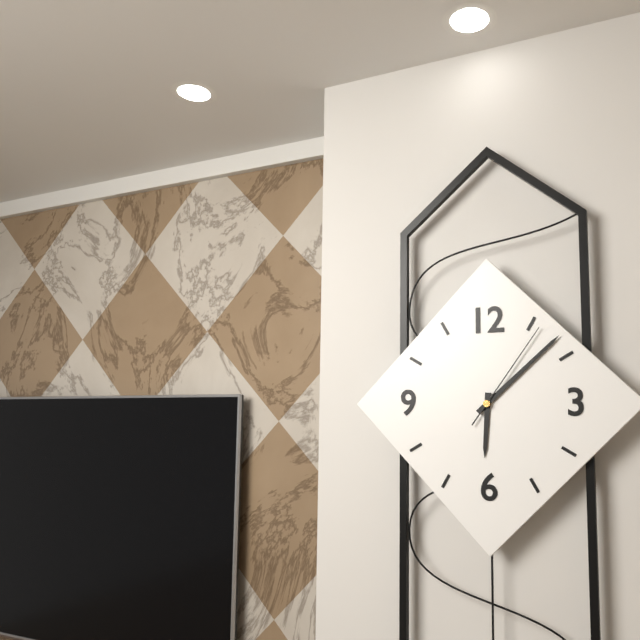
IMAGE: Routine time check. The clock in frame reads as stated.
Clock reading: 6:08:06
